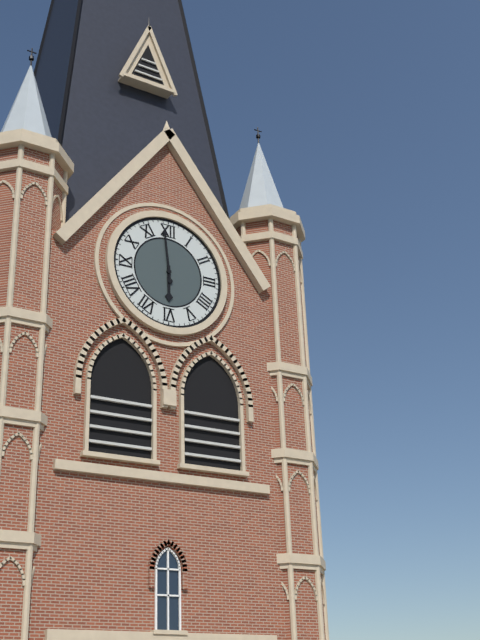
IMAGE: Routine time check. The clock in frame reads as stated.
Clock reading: 5:59
